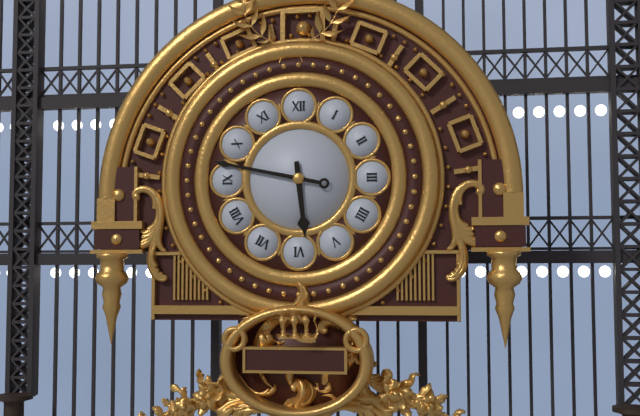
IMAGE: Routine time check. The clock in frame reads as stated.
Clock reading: 5:47
